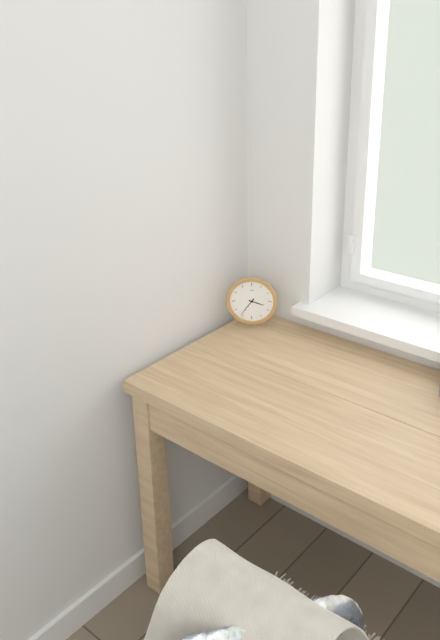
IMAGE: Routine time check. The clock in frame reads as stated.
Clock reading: 3:36
